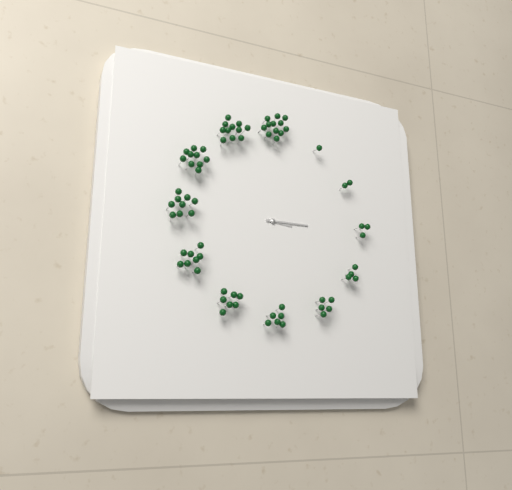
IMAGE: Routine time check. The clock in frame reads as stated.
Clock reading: 3:15
